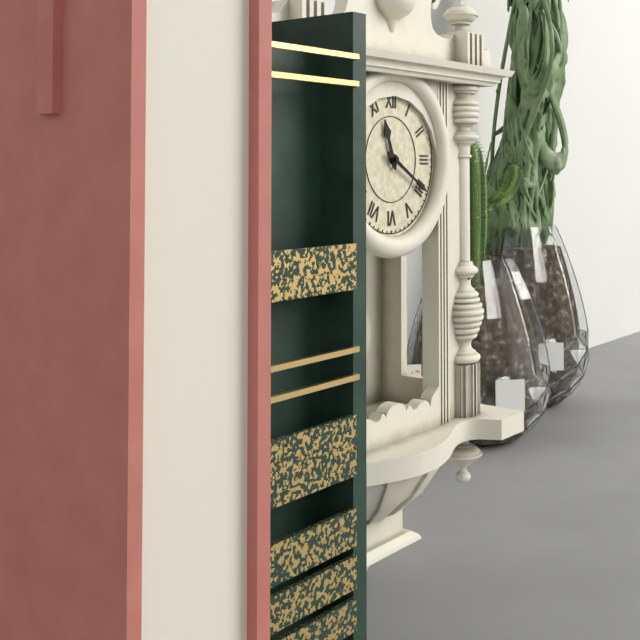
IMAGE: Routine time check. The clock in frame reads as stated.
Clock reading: 11:20
